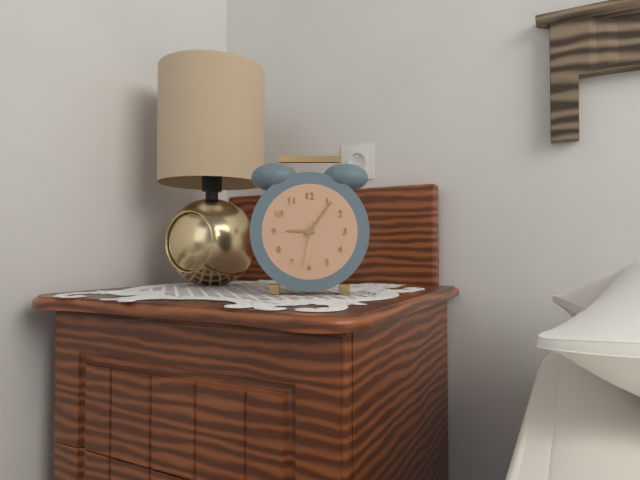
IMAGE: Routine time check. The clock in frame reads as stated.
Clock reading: 9:06:32
